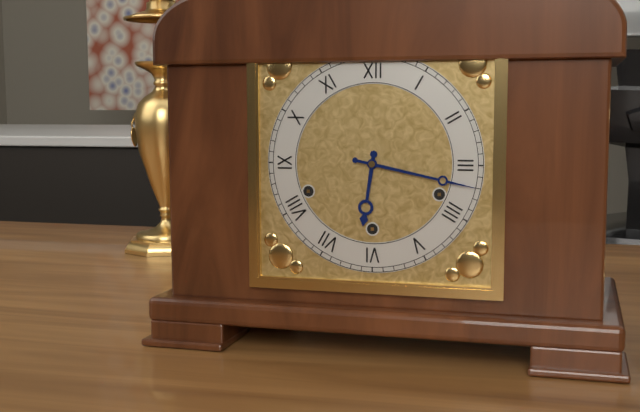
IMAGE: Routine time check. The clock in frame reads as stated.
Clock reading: 6:17
